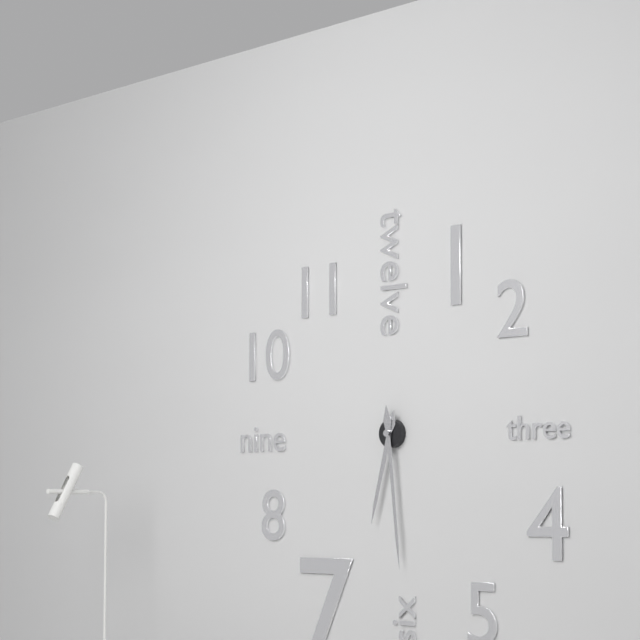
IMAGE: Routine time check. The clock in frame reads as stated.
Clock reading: 6:29
